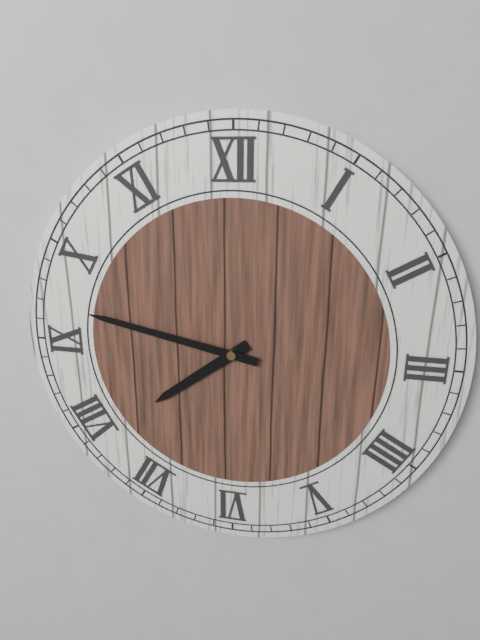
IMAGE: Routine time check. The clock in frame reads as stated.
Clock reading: 7:47
